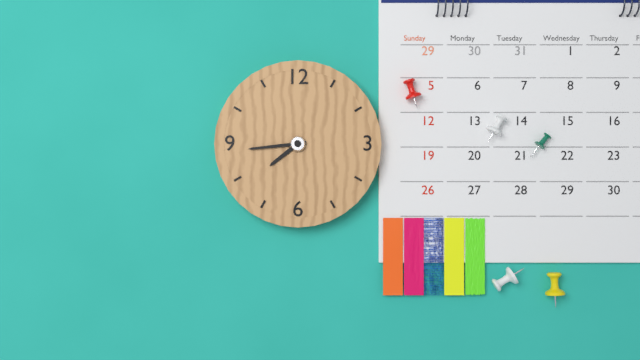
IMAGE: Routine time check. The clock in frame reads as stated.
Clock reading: 7:44
